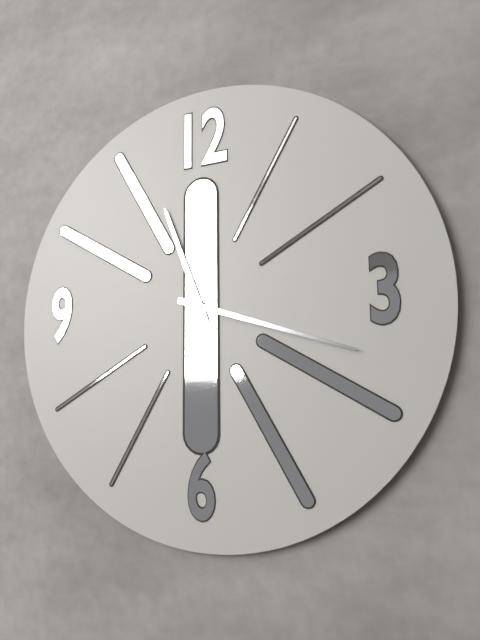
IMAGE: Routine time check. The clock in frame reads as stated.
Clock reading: 11:18
